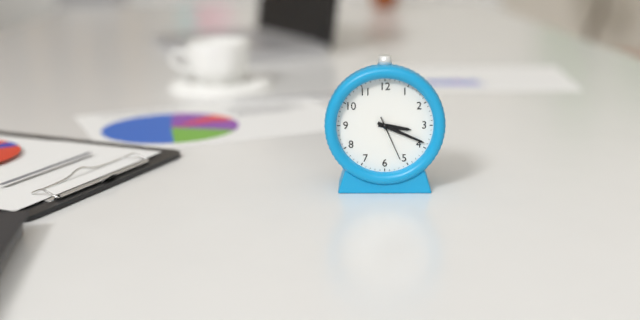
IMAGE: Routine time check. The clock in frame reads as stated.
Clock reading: 3:19
